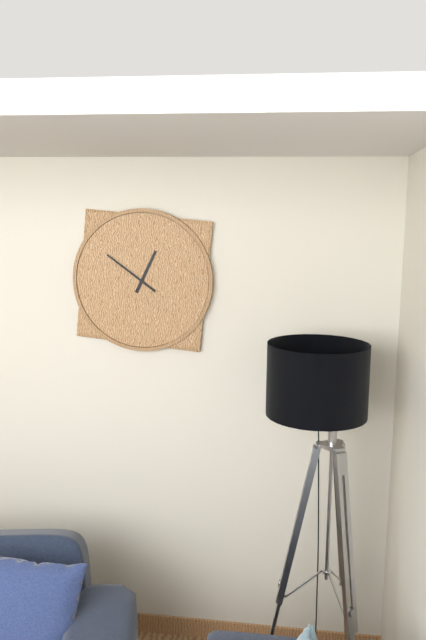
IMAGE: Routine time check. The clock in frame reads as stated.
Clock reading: 12:51
